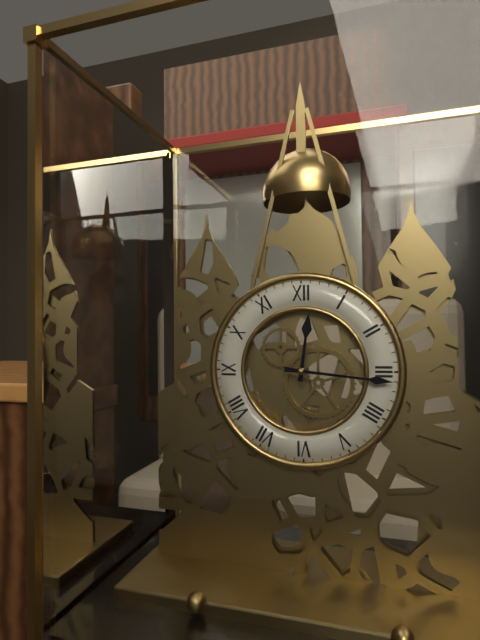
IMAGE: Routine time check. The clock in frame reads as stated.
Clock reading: 12:16
